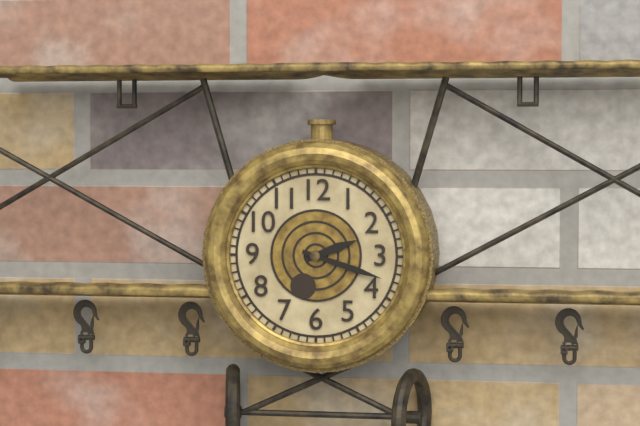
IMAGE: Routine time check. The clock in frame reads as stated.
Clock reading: 2:18
